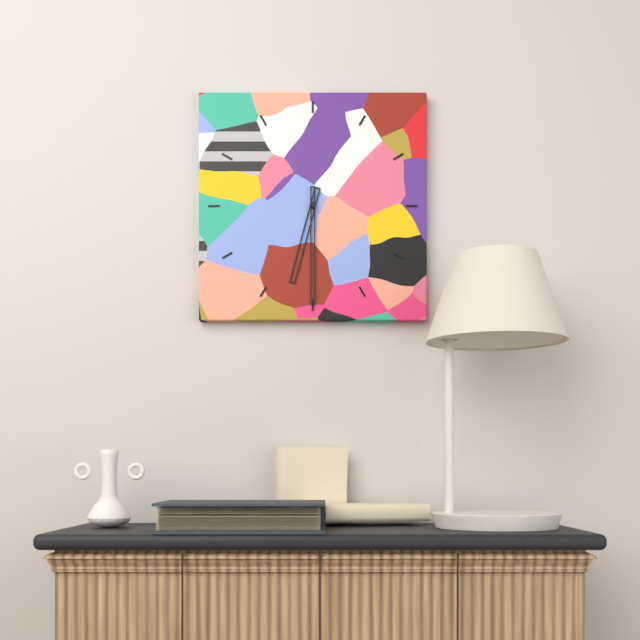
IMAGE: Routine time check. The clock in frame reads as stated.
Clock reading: 6:30
